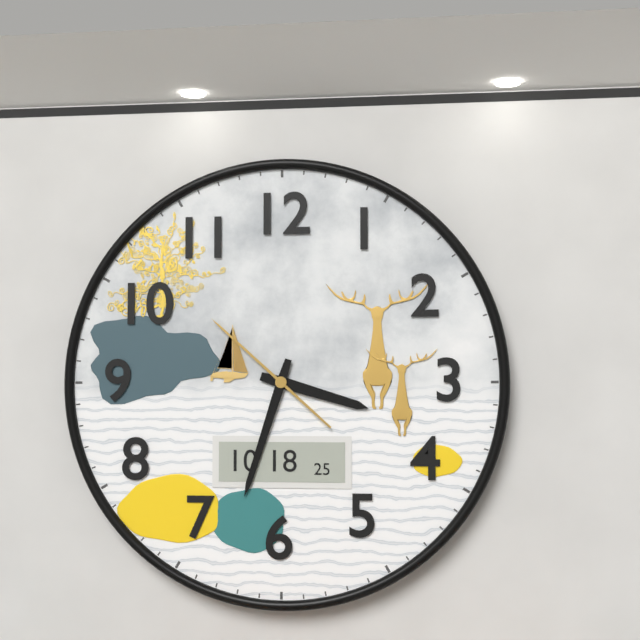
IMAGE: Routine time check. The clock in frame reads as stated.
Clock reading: 3:33:52
